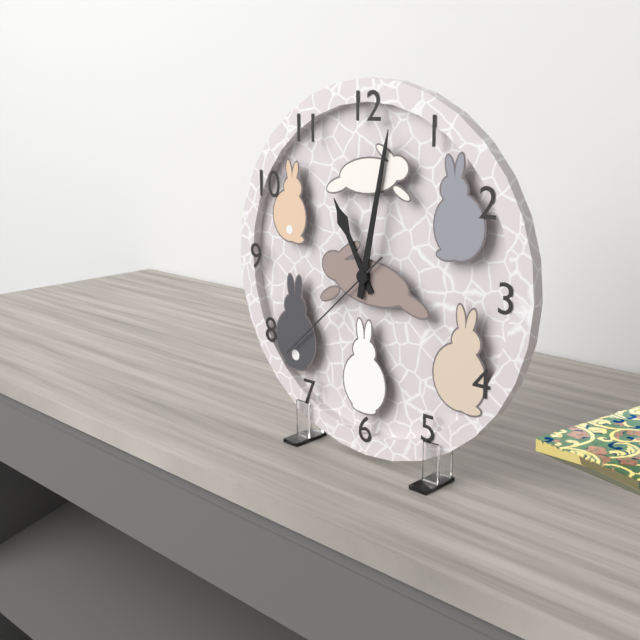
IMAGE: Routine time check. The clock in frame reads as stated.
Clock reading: 11:02:38
